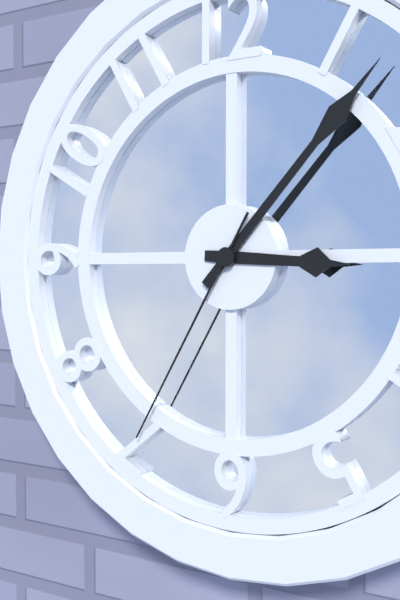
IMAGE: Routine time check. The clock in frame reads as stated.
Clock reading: 3:07:35
